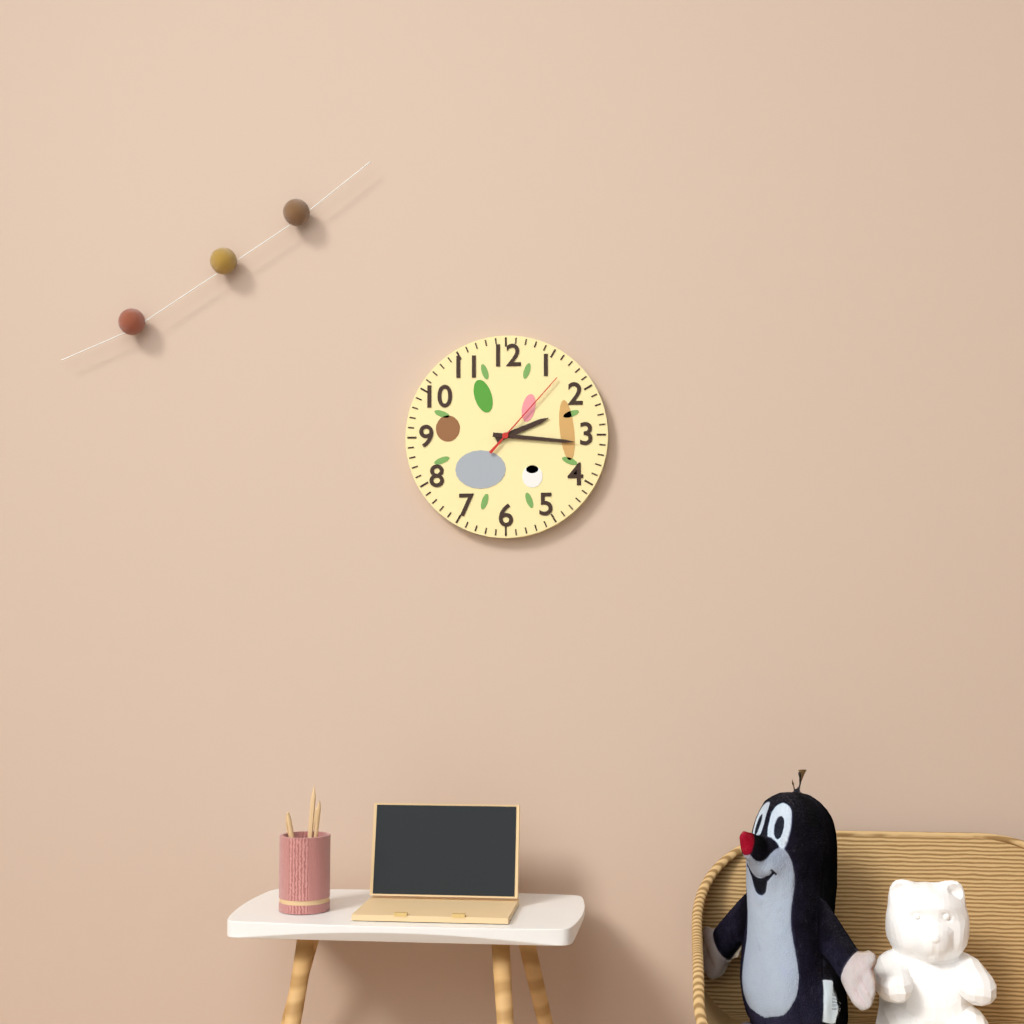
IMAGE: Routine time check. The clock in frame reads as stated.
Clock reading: 2:16:07
